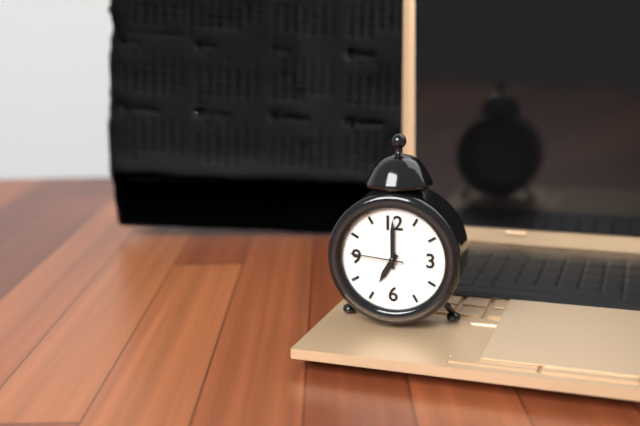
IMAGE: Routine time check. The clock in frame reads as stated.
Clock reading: 7:00:46
